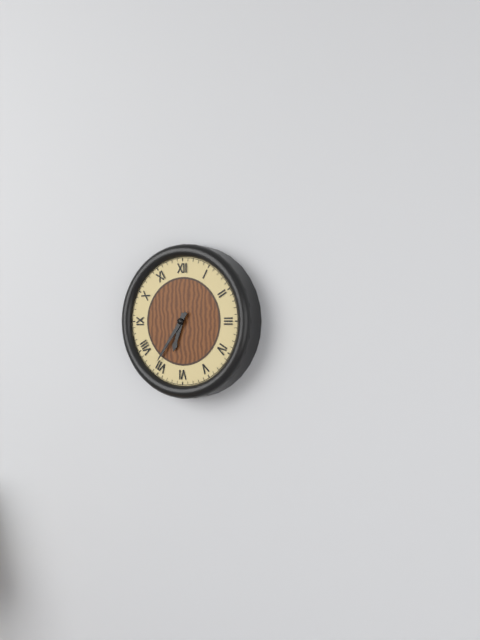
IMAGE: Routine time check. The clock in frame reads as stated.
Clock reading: 6:36
